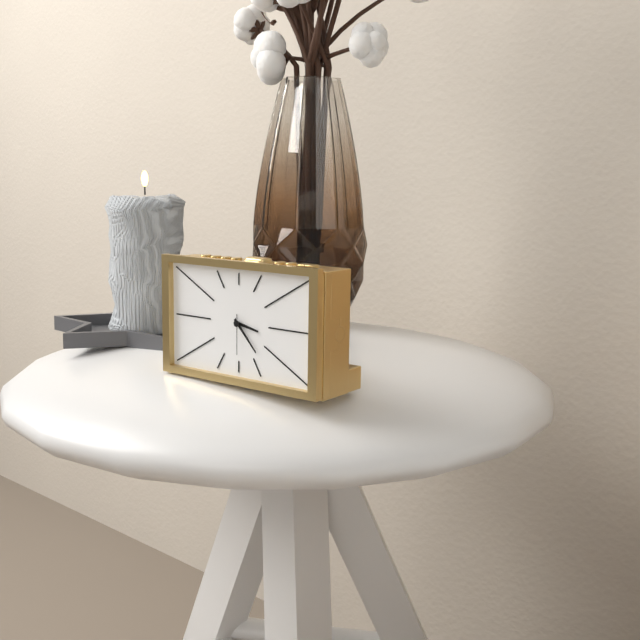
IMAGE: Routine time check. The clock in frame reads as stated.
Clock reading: 3:23
